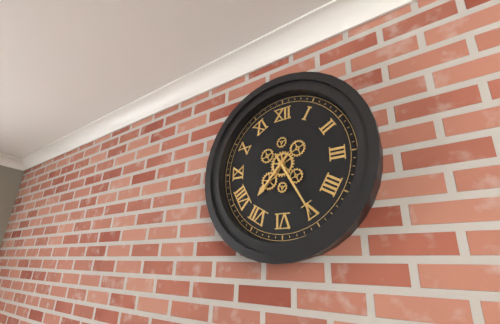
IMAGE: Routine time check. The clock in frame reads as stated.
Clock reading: 7:25
